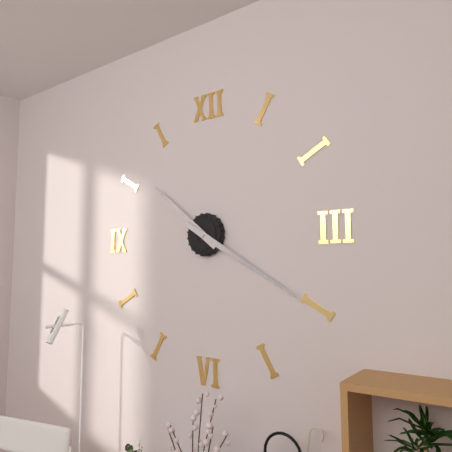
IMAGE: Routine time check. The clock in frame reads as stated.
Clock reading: 10:20
